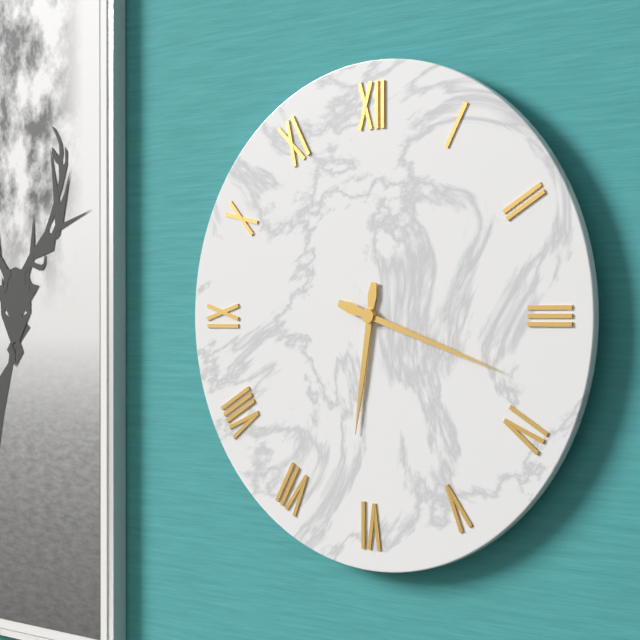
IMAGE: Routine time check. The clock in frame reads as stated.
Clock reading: 6:18
